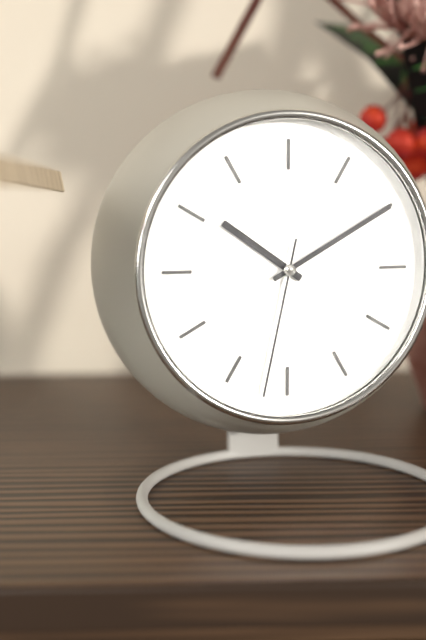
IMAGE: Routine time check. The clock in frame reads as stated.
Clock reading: 10:10:32
